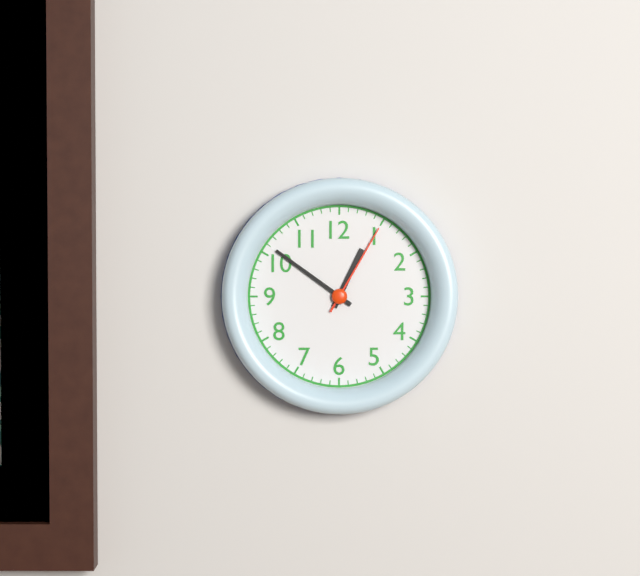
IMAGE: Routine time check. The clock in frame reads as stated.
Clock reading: 12:51:05
